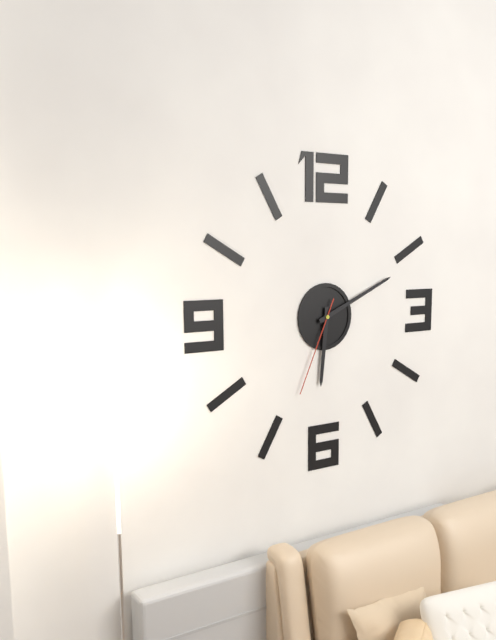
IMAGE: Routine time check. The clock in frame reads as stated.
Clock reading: 6:11:34
